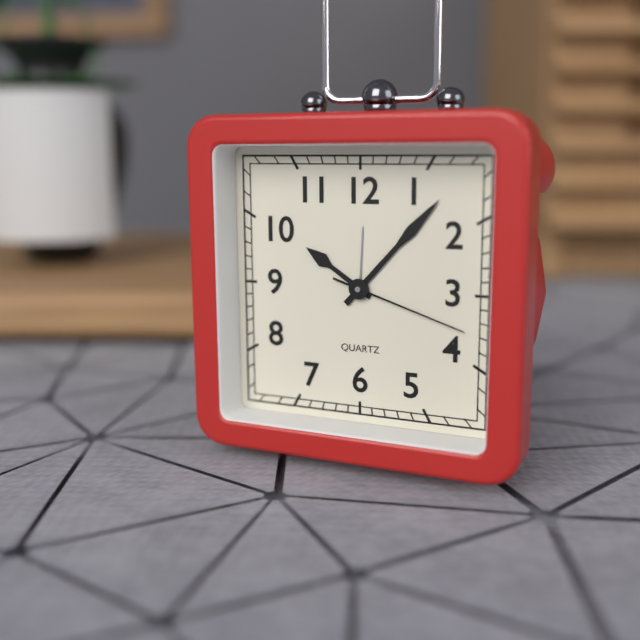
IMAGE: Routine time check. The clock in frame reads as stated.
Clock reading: 10:07:18
